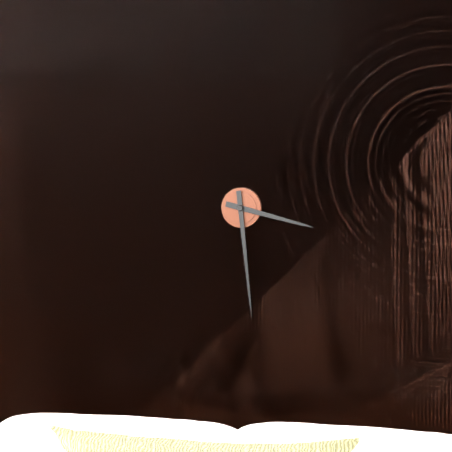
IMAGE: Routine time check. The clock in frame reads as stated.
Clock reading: 3:29
